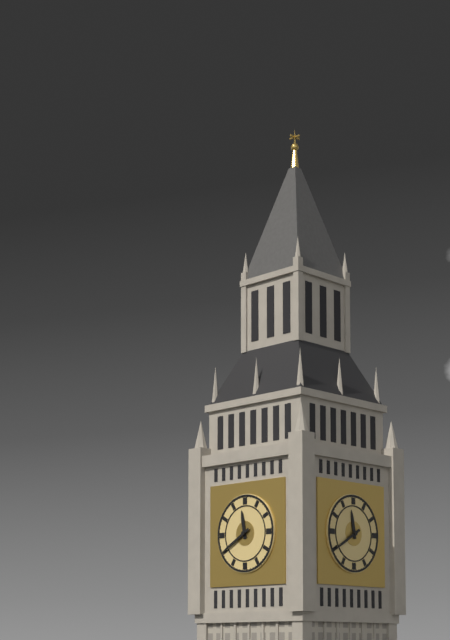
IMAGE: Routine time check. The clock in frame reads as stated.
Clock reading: 11:40
